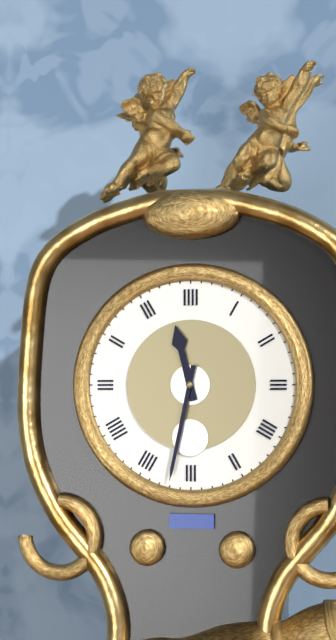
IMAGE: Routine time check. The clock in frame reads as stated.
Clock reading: 11:32
